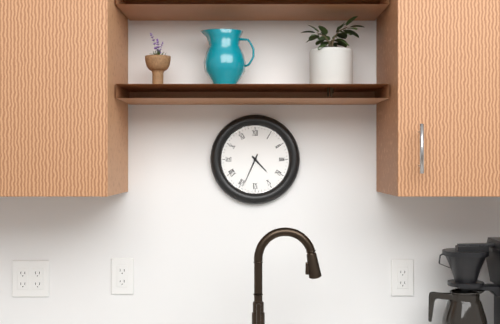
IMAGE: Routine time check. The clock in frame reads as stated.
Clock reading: 4:34
